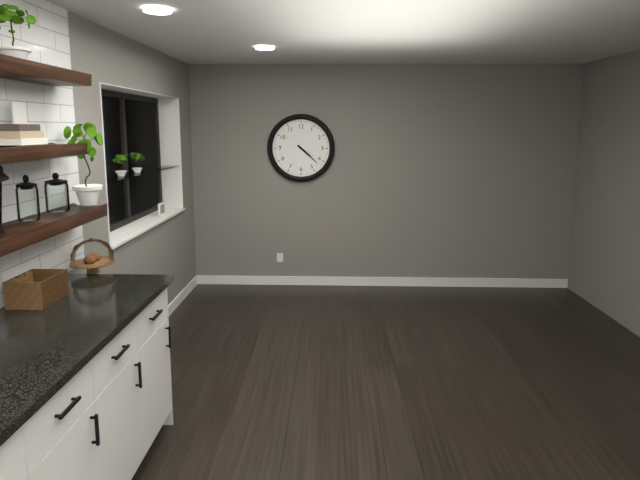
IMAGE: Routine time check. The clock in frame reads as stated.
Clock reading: 4:22
